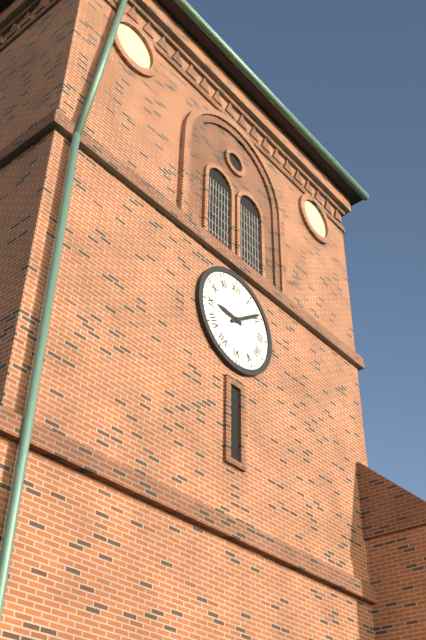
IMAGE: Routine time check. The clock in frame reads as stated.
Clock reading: 9:09
